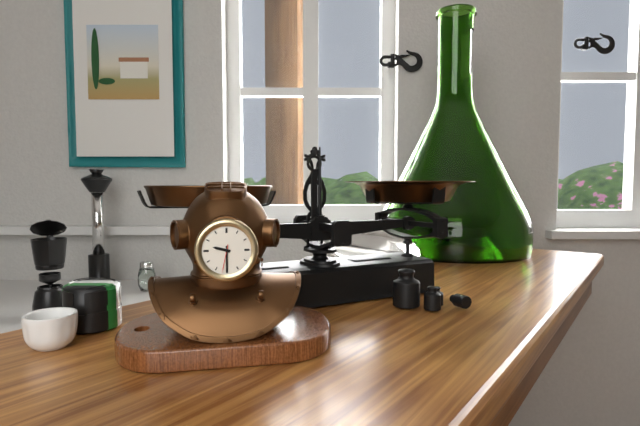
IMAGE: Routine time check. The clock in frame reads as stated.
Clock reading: 9:30
